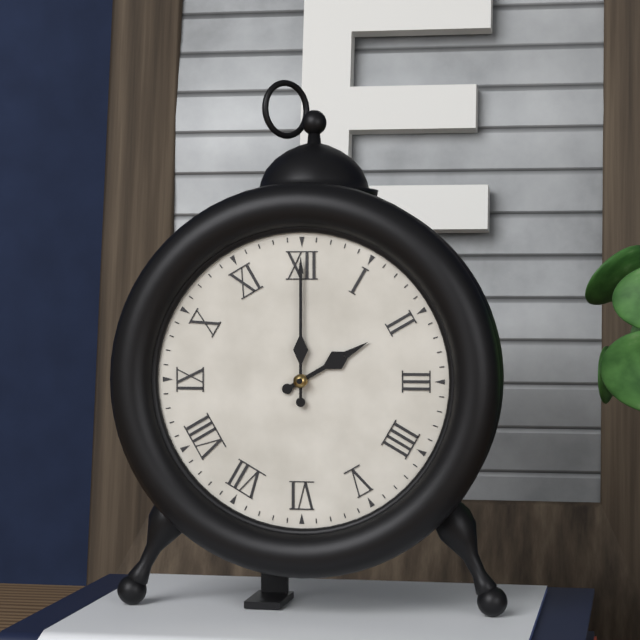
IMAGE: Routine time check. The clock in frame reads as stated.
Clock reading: 2:00
